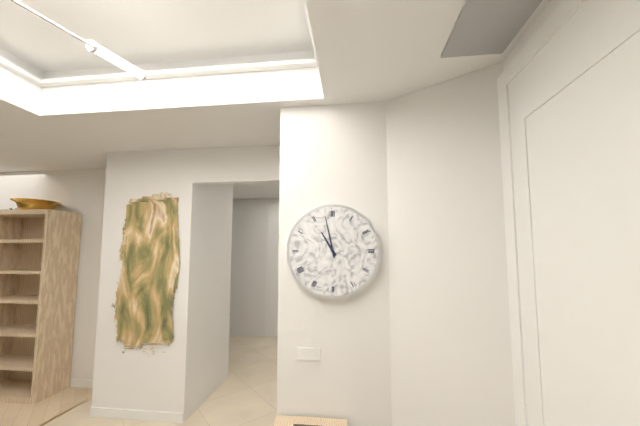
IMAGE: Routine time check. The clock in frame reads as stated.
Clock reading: 10:58
